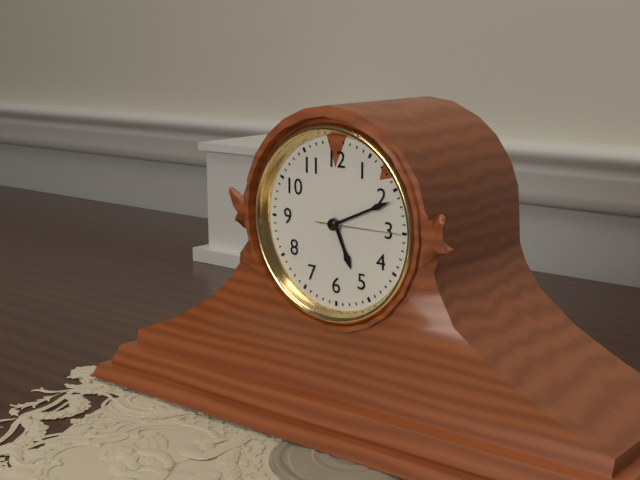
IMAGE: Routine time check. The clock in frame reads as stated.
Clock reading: 5:11:15
